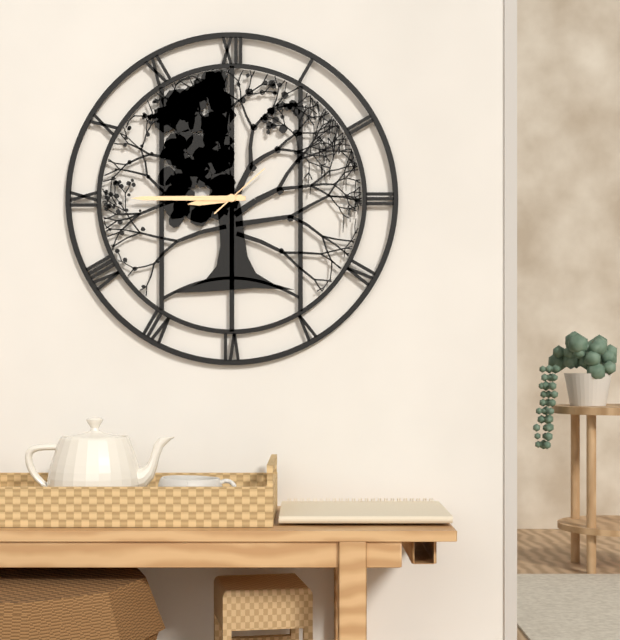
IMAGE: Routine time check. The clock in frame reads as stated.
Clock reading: 8:45:08
